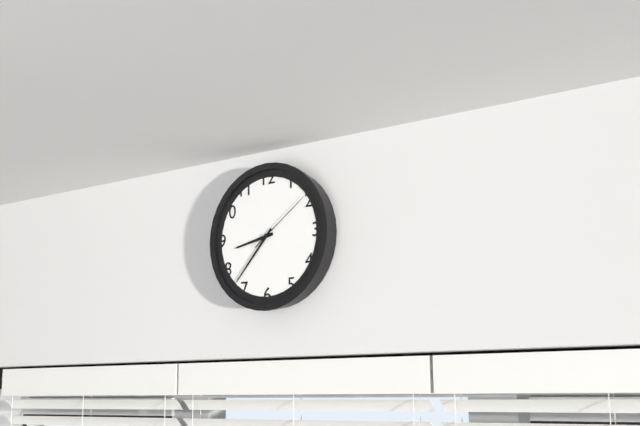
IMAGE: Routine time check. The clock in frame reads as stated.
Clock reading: 8:37:09
